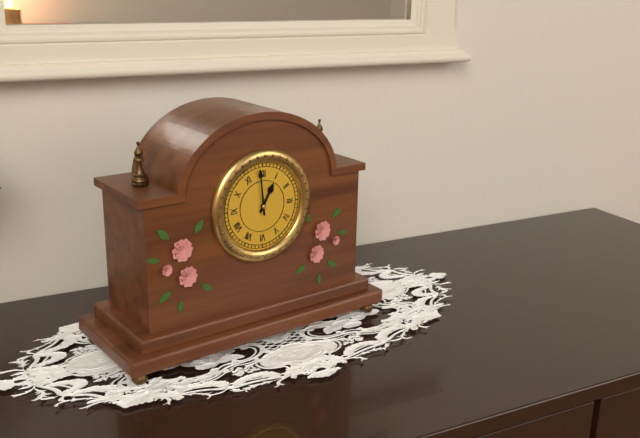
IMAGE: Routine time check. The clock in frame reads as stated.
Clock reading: 12:59
